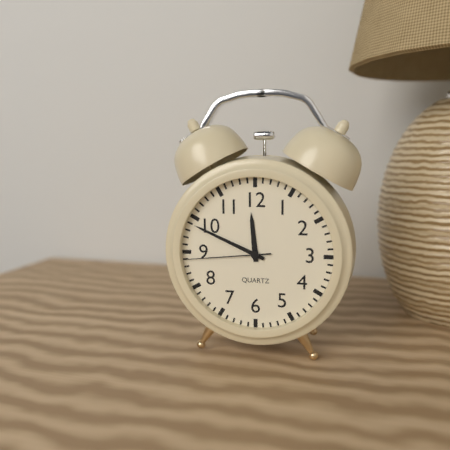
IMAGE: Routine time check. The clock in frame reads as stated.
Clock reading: 11:49:44
